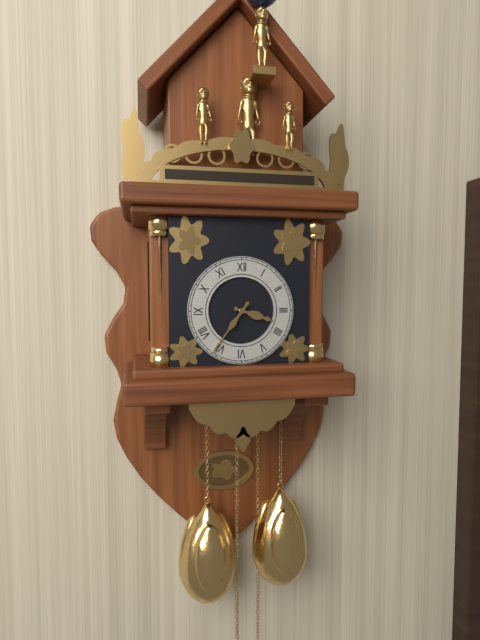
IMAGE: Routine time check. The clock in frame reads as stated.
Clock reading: 3:36
